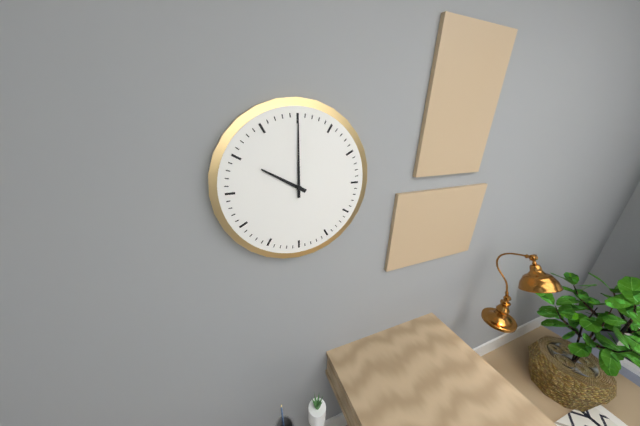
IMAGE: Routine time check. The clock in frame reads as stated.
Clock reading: 10:00
